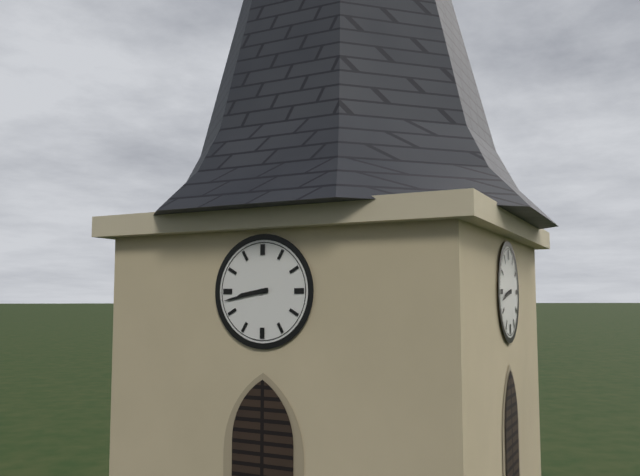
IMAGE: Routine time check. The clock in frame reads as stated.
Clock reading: 8:43
